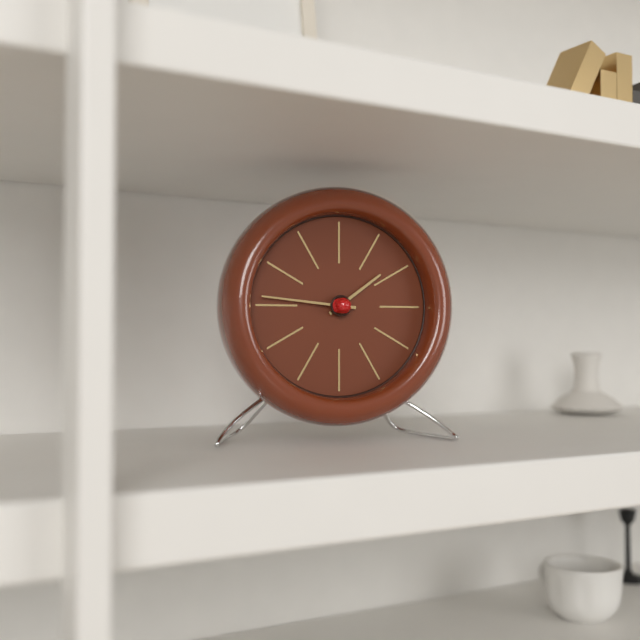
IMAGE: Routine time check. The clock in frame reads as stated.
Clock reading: 1:46
